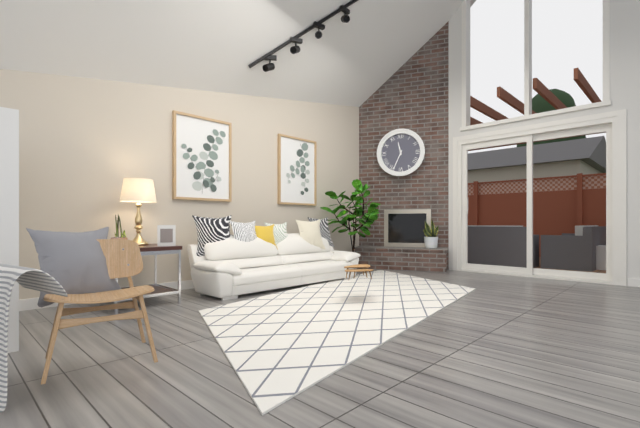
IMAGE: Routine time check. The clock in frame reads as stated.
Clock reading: 11:34
